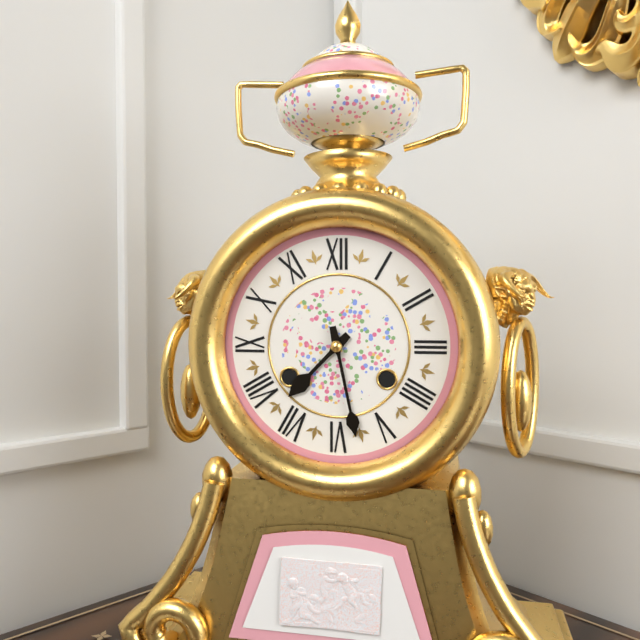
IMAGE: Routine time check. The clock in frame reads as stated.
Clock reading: 7:28
